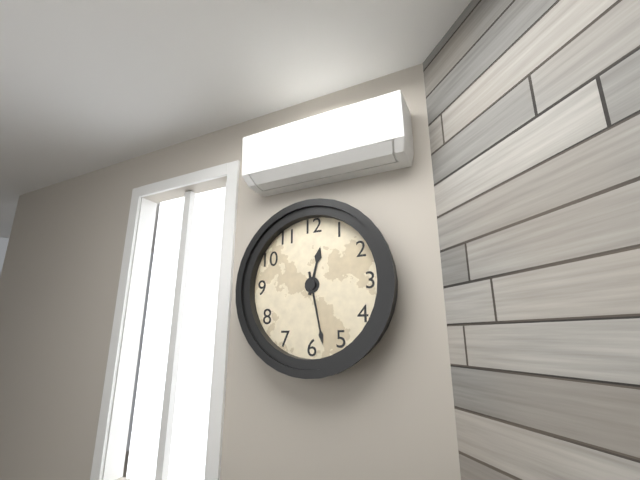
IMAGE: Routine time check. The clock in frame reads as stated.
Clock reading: 12:28
